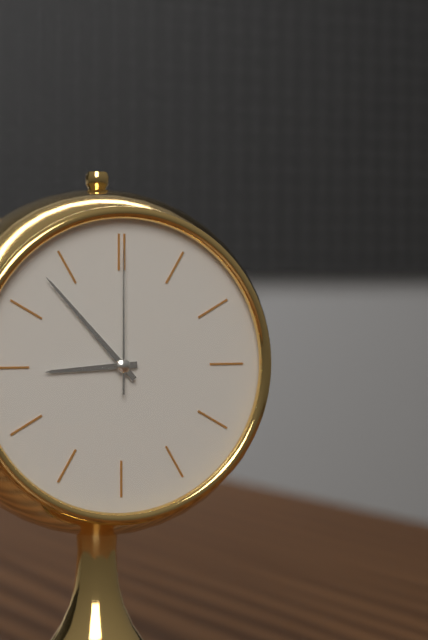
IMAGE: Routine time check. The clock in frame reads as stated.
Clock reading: 8:53:00
